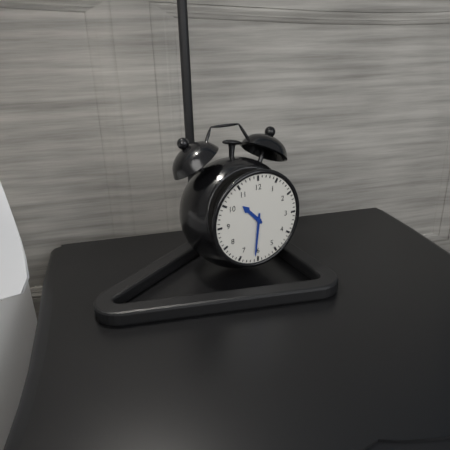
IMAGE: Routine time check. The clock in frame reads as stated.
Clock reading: 10:31
